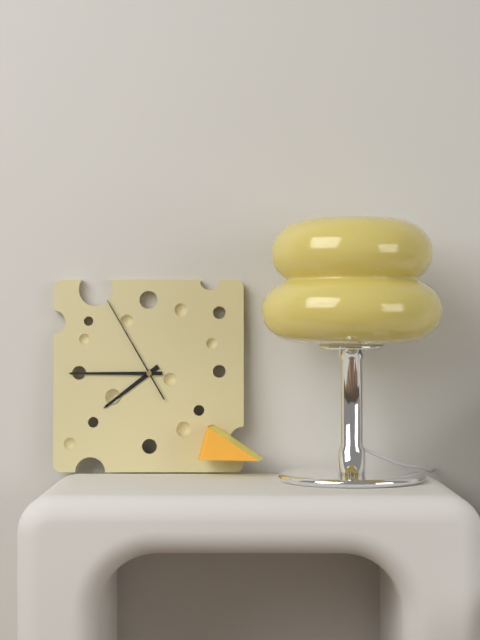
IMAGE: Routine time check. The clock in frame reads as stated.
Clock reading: 7:45:55
